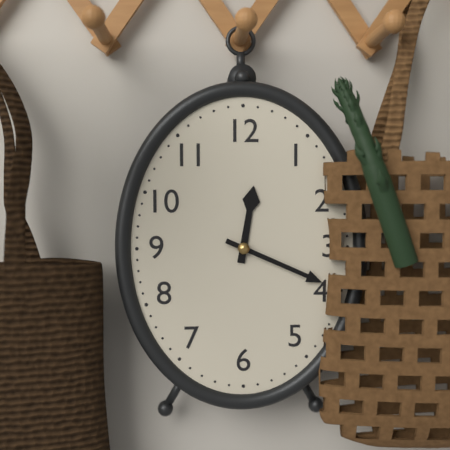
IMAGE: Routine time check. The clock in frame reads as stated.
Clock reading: 12:19
